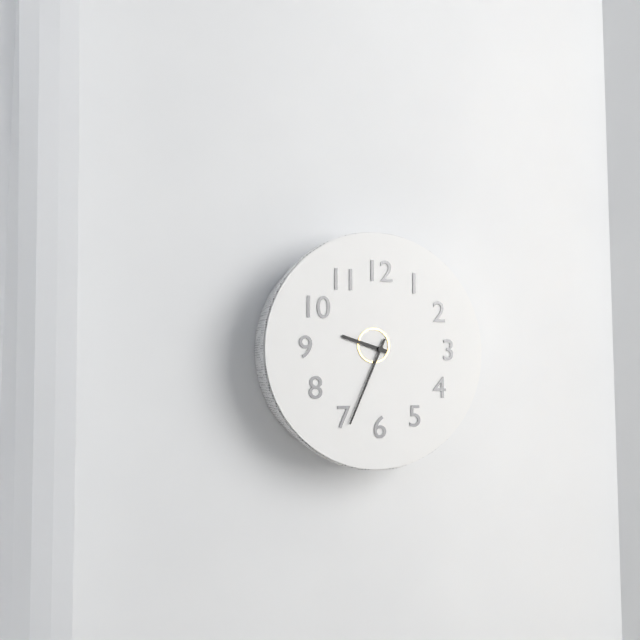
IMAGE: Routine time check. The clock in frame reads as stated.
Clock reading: 9:34
